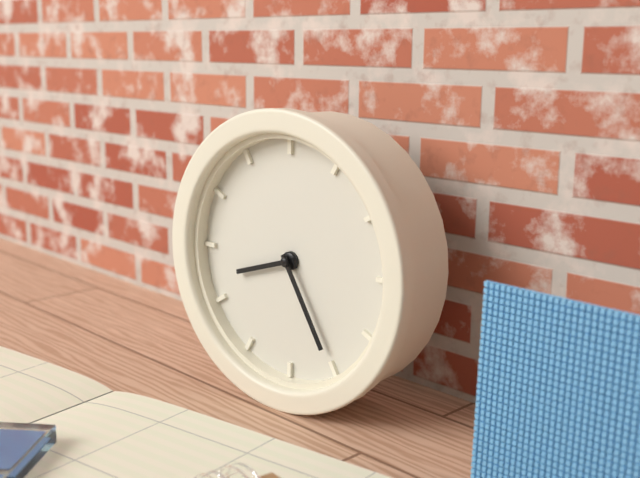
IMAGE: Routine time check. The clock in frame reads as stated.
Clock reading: 8:25
